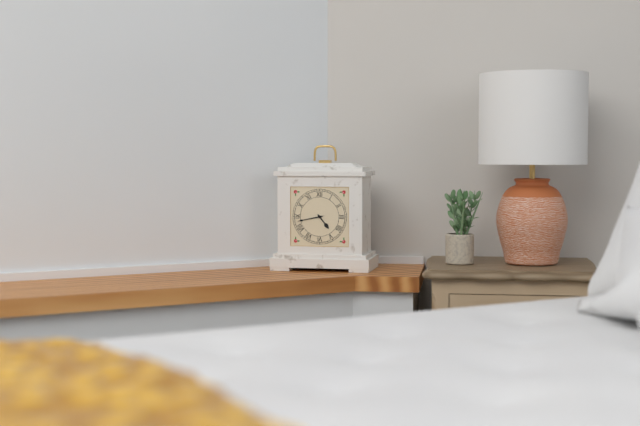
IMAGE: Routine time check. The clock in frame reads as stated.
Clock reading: 4:43
